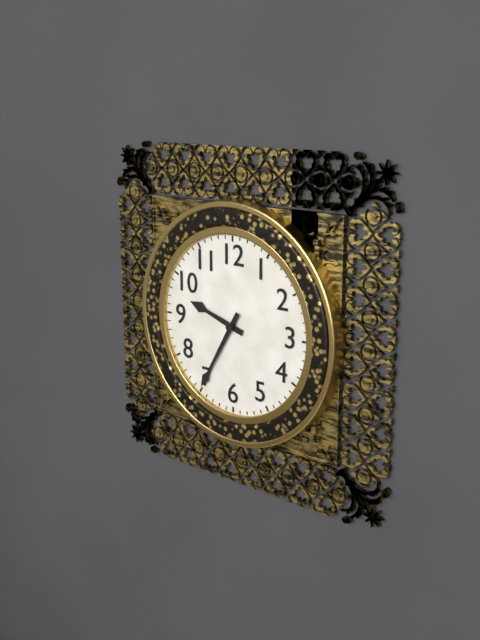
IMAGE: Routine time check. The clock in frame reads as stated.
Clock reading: 9:35
